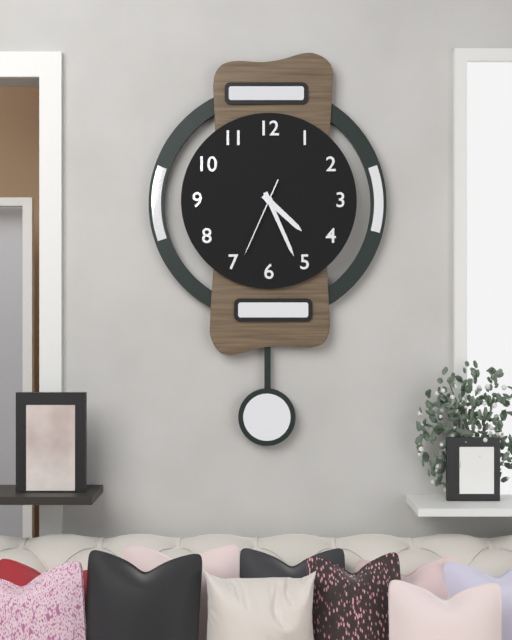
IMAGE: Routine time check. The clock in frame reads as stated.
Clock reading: 4:26:34
